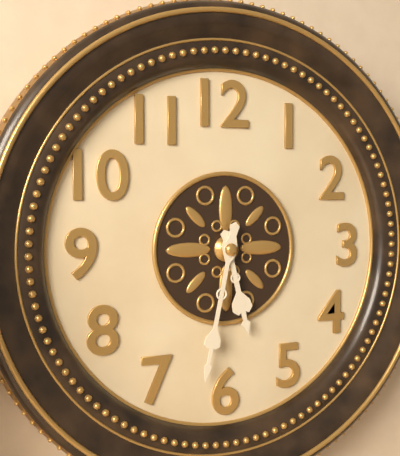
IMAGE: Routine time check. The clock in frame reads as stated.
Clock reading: 5:32
